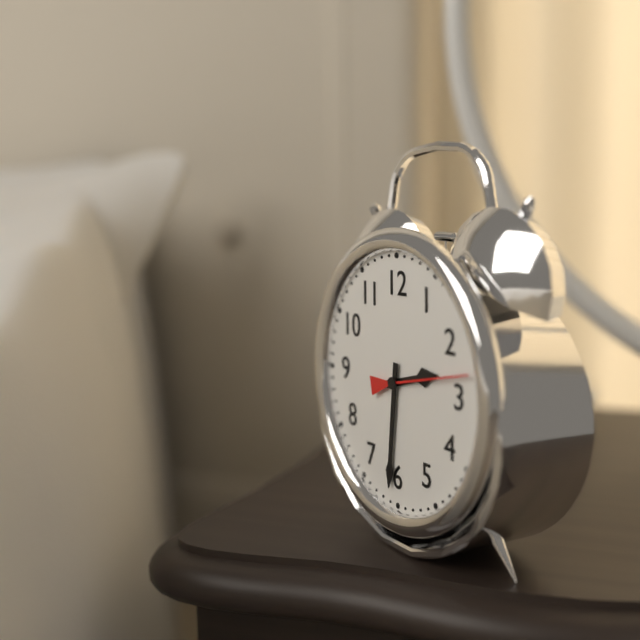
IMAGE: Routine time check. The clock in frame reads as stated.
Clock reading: 2:31:13
